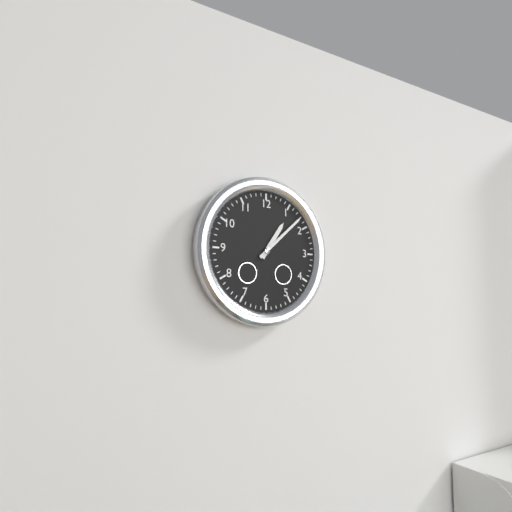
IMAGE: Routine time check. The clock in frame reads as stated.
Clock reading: 1:08
